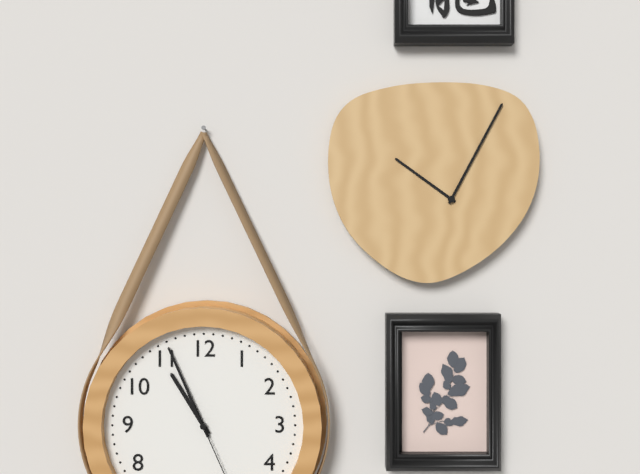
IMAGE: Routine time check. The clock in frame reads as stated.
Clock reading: 10:56
